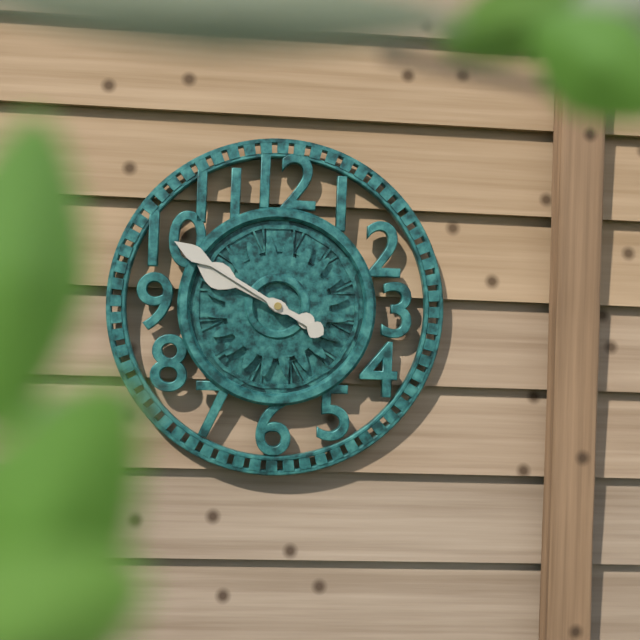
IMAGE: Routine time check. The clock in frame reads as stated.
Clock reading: 9:50
